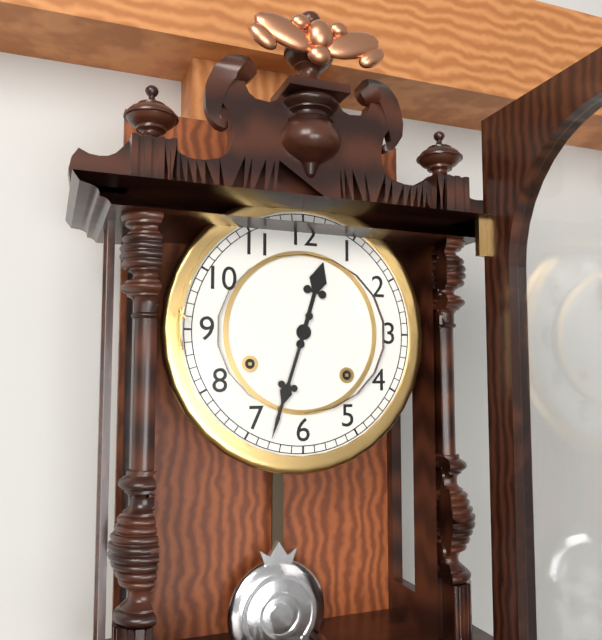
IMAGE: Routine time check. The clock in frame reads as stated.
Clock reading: 12:33
